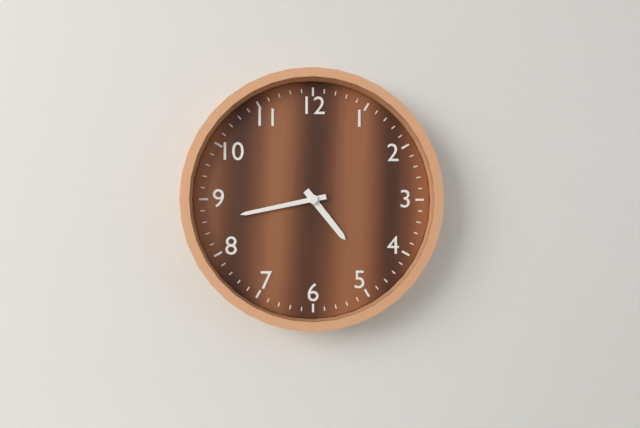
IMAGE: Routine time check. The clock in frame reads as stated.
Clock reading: 4:43
